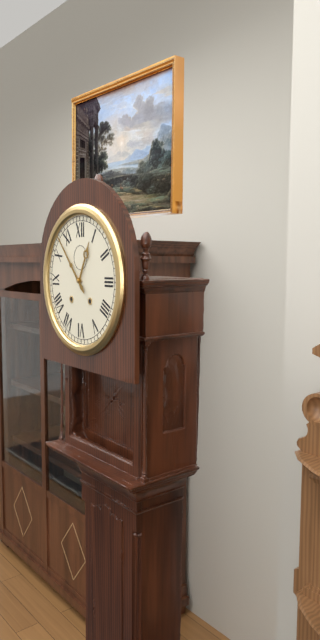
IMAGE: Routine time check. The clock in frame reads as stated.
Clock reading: 12:53
